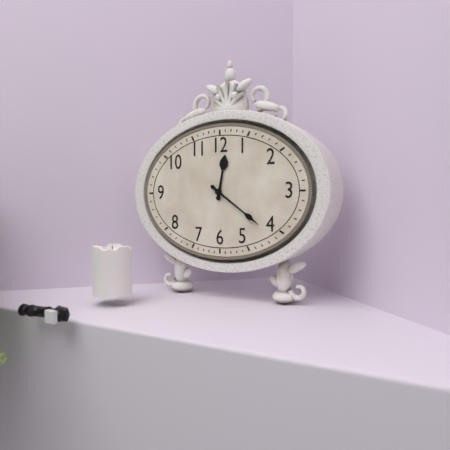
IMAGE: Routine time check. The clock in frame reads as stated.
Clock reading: 12:21
